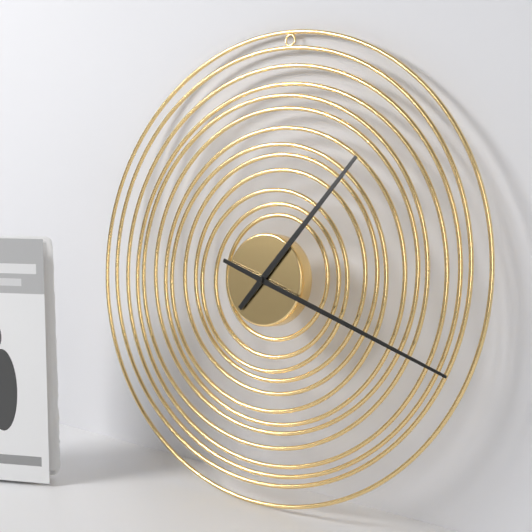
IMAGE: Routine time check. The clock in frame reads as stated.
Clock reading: 1:18
